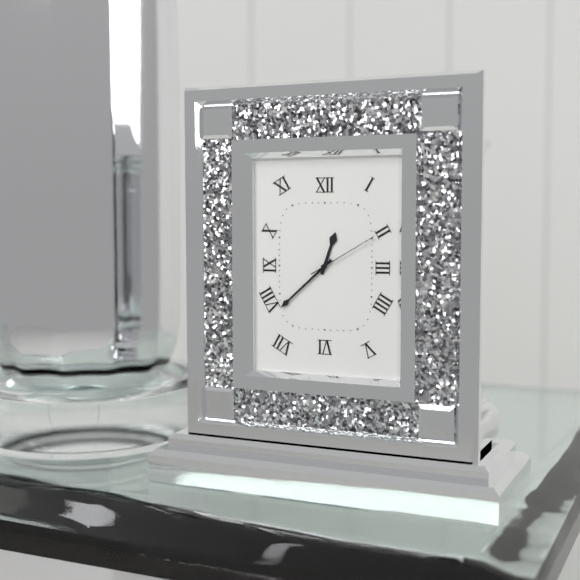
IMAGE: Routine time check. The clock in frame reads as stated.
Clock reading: 12:38:10
